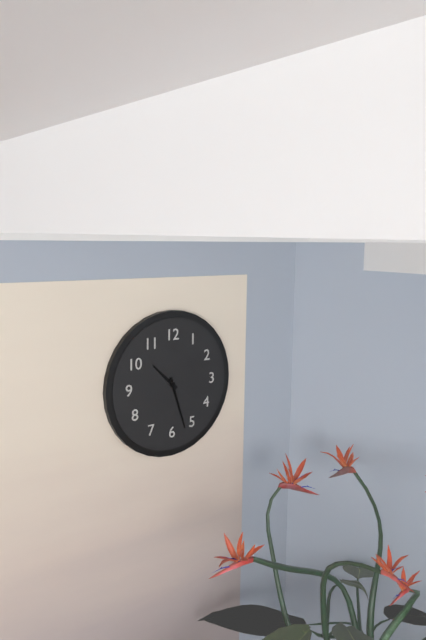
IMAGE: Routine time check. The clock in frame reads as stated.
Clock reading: 10:27
